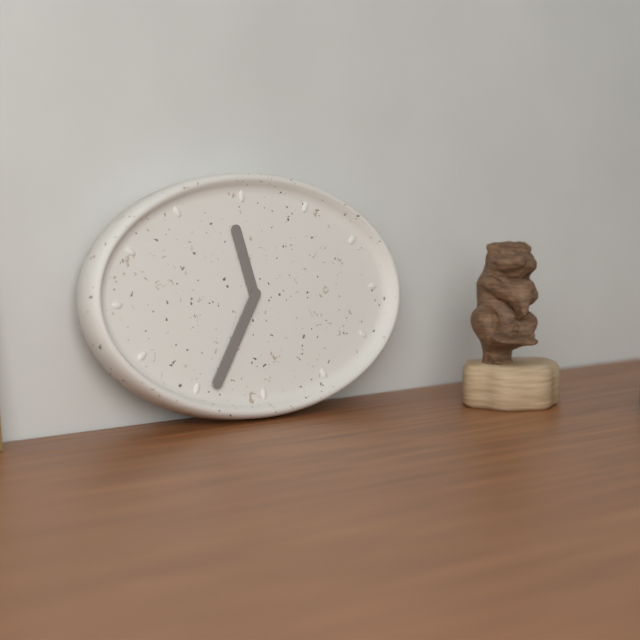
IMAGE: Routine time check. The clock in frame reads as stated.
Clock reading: 11:36
